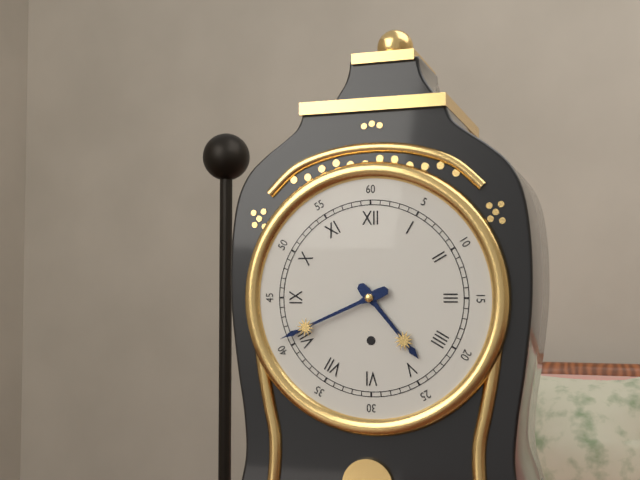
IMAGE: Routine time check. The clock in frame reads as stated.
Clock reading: 4:41
